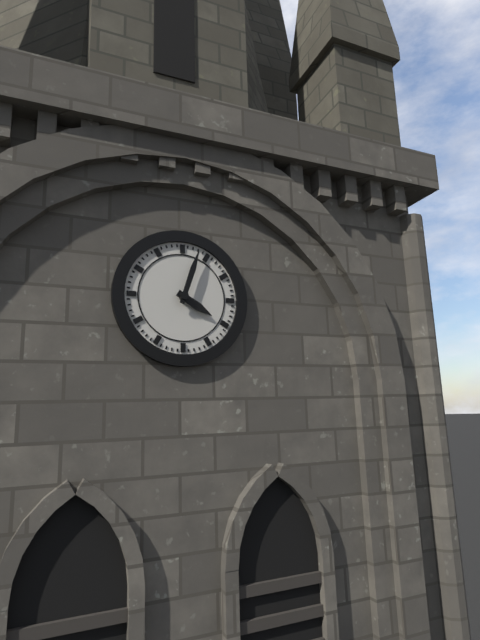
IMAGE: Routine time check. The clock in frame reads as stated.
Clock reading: 4:03
